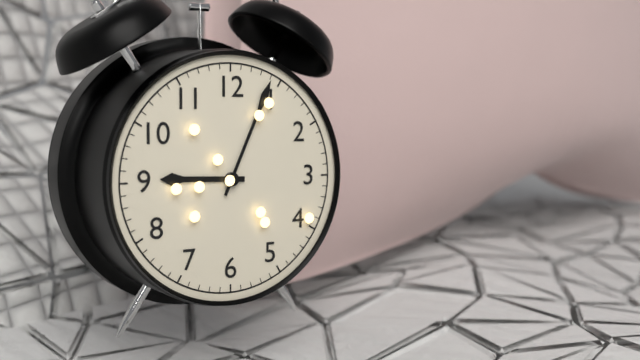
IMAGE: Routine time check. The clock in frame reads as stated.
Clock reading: 9:04
